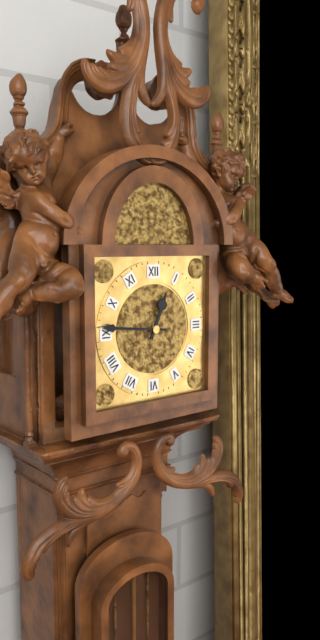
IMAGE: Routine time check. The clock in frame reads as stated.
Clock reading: 12:46
